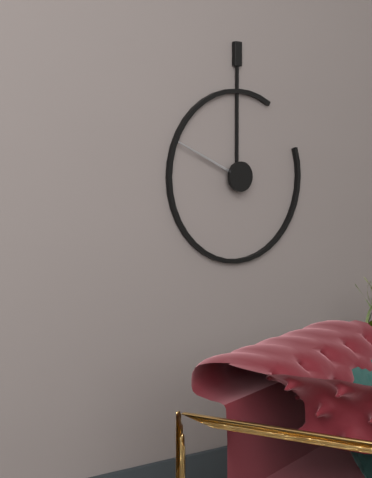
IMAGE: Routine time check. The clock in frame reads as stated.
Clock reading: 9:49
